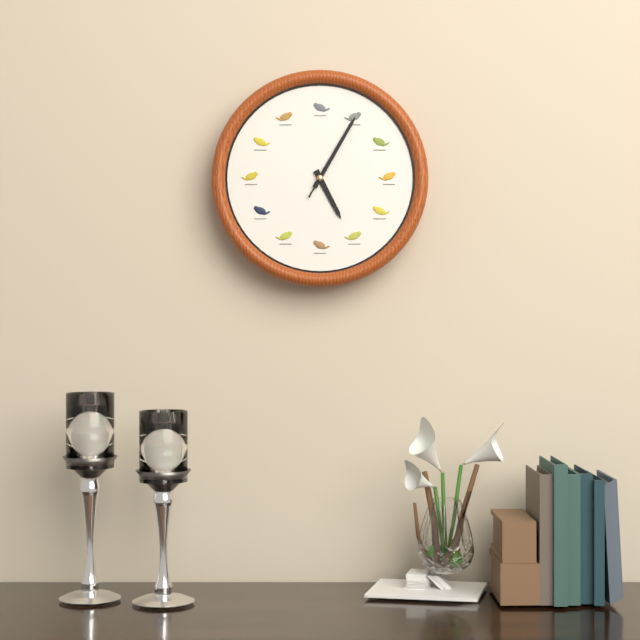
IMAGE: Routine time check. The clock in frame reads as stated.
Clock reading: 5:05:05
